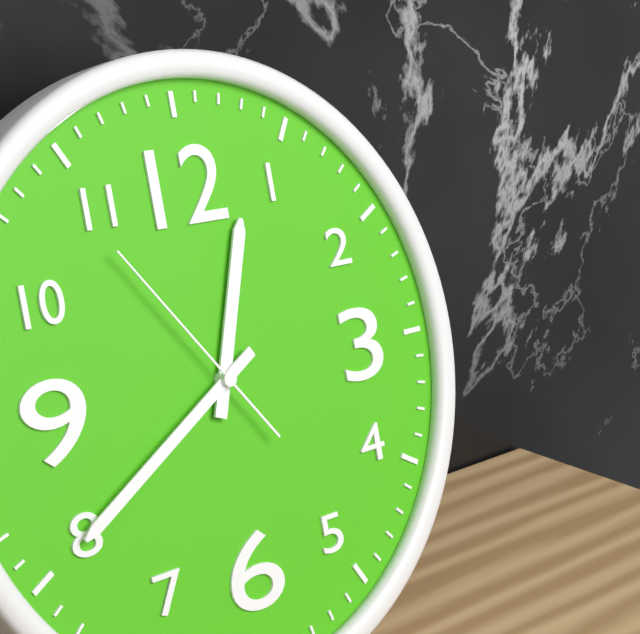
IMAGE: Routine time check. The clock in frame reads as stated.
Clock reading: 12:40:54
